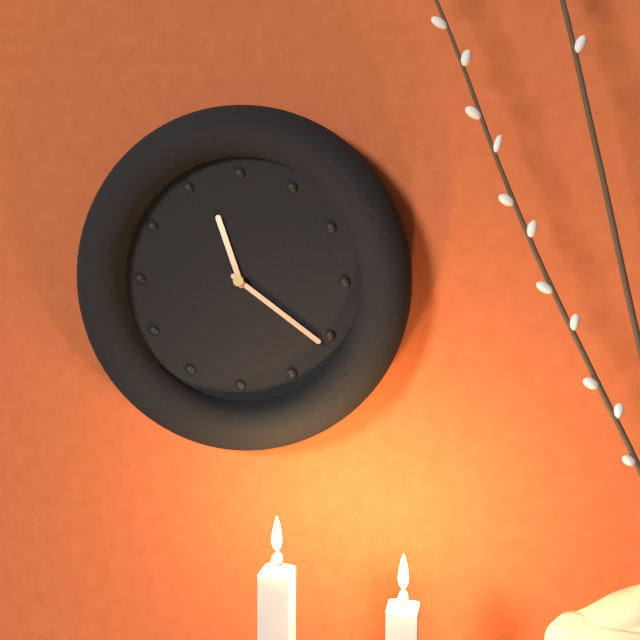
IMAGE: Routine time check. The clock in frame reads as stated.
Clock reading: 11:21
